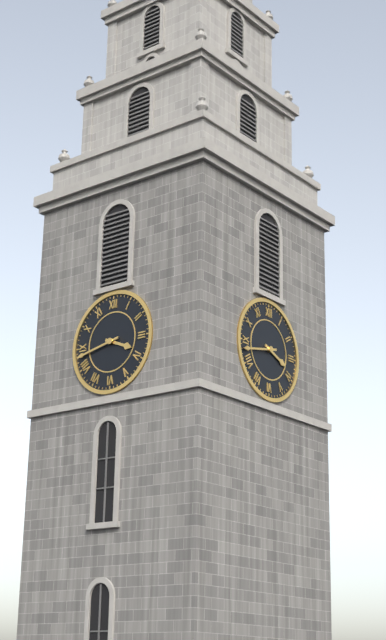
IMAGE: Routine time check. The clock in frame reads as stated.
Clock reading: 3:43
